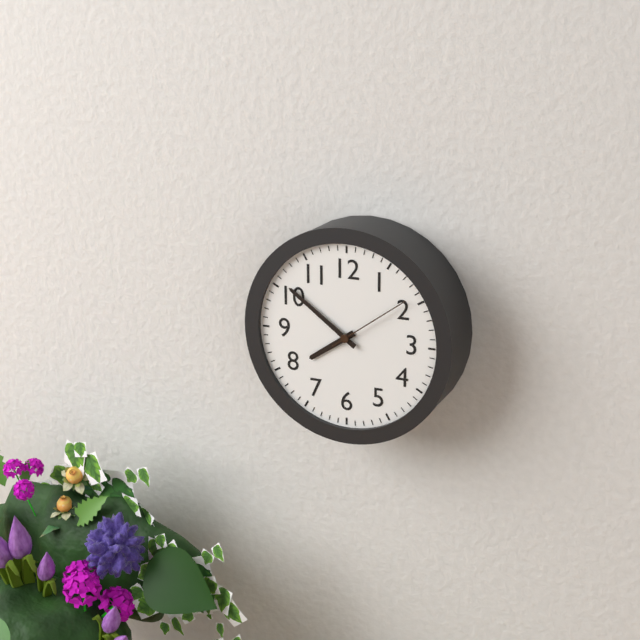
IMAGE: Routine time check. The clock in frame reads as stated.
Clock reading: 7:51:09
